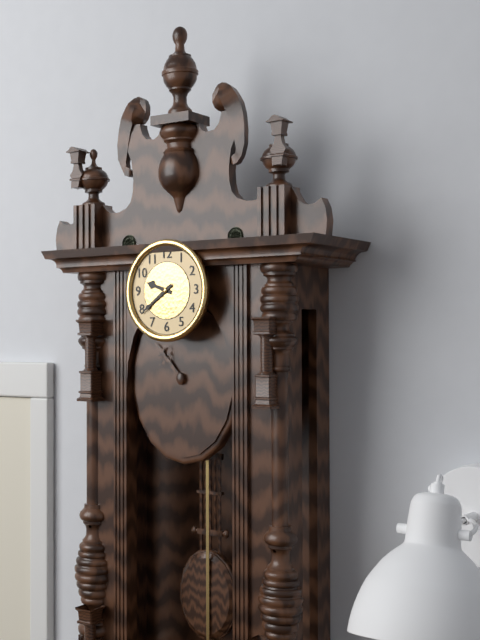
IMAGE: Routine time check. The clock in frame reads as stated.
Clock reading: 9:39
